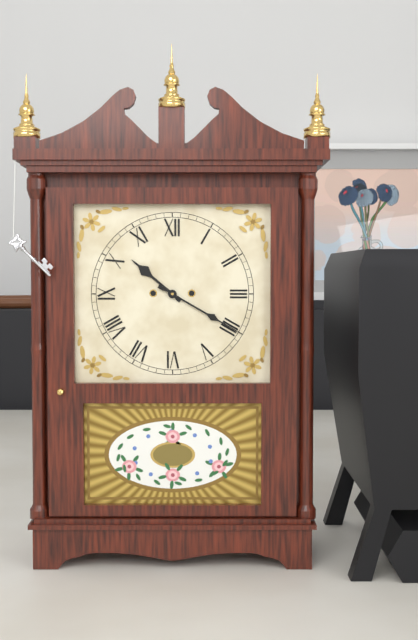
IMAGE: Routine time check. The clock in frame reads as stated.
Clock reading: 10:20
